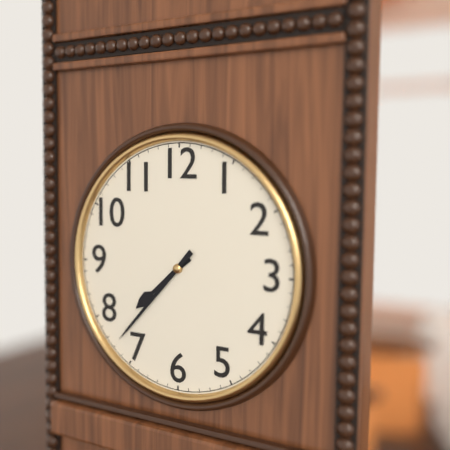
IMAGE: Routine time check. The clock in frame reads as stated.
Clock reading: 7:37
